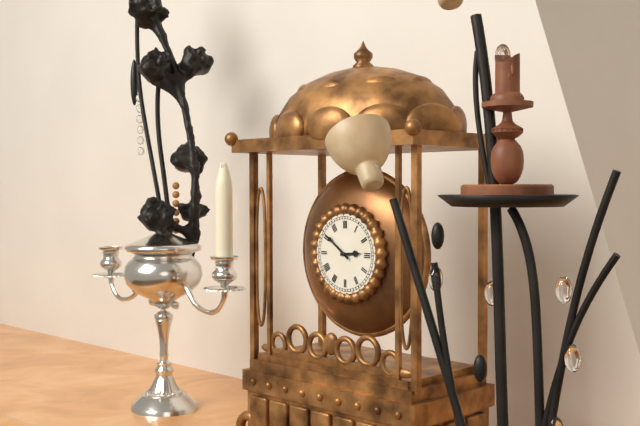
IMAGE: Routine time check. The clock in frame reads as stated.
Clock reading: 2:51
